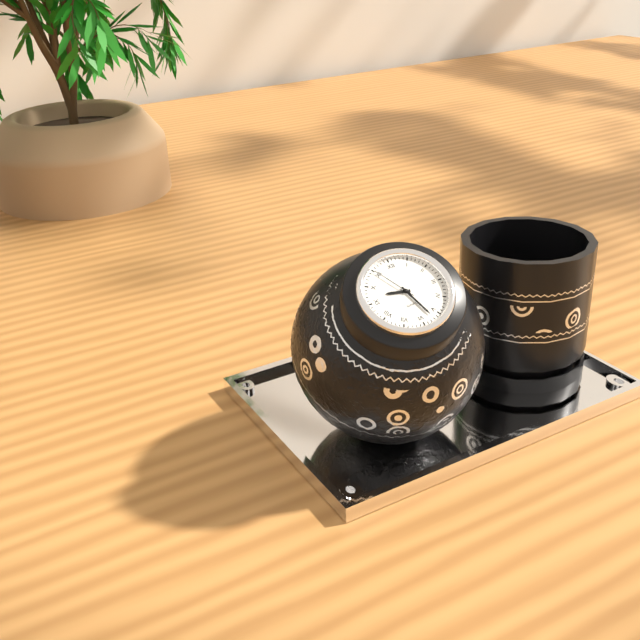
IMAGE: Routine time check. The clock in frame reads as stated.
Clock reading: 9:27:55
